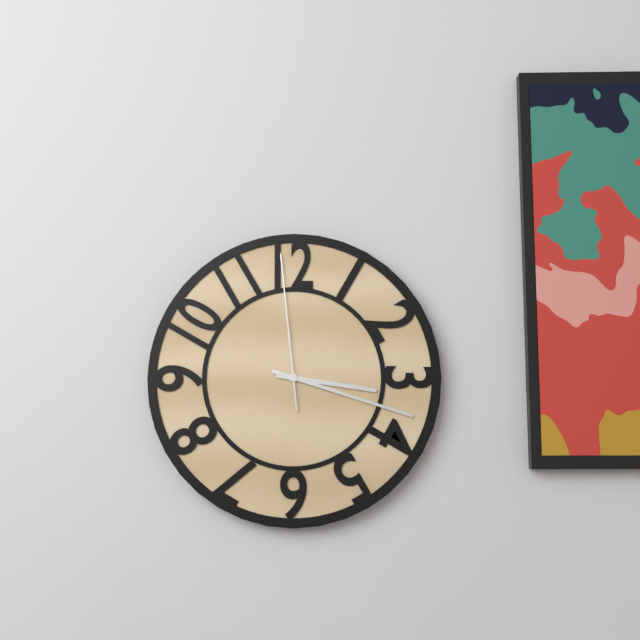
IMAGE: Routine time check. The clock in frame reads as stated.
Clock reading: 3:18:59
